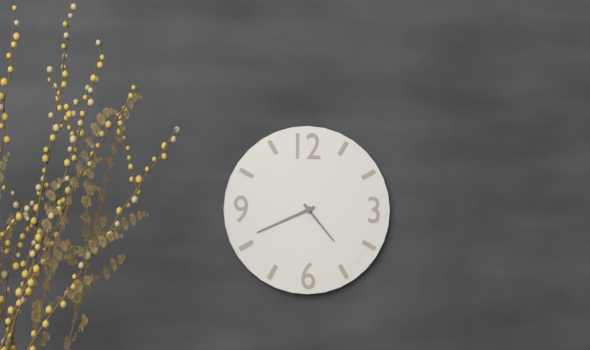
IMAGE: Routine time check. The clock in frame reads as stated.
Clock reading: 4:41
